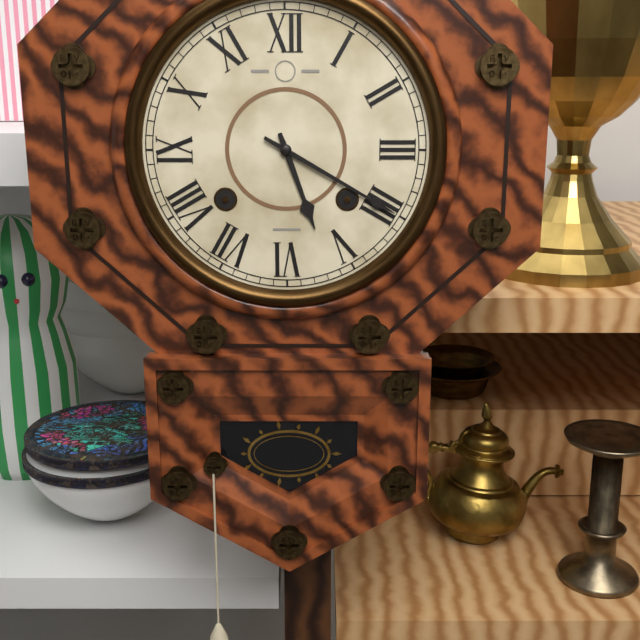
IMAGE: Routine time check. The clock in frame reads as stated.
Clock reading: 5:20
